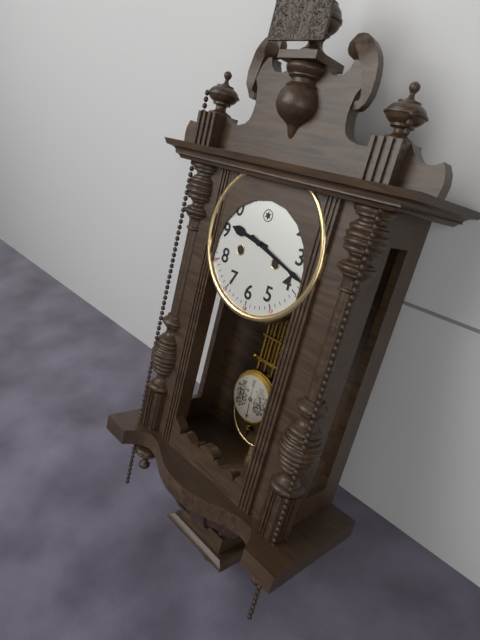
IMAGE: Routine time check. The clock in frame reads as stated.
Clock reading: 9:18
